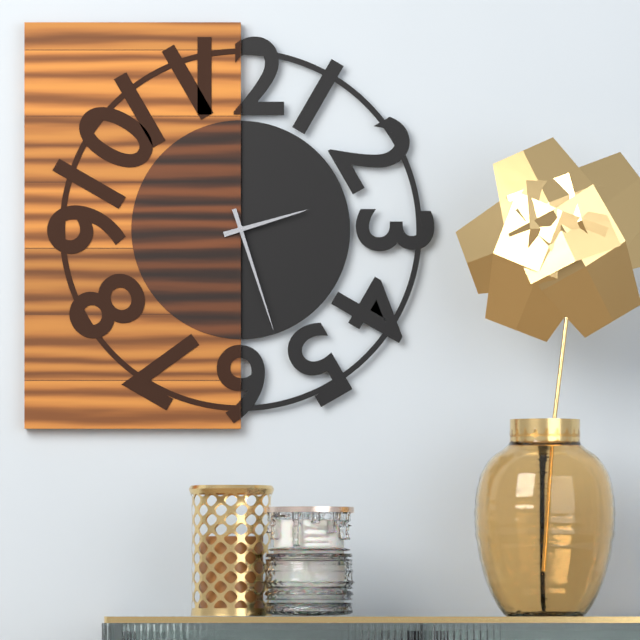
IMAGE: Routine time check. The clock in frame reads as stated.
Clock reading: 2:27
